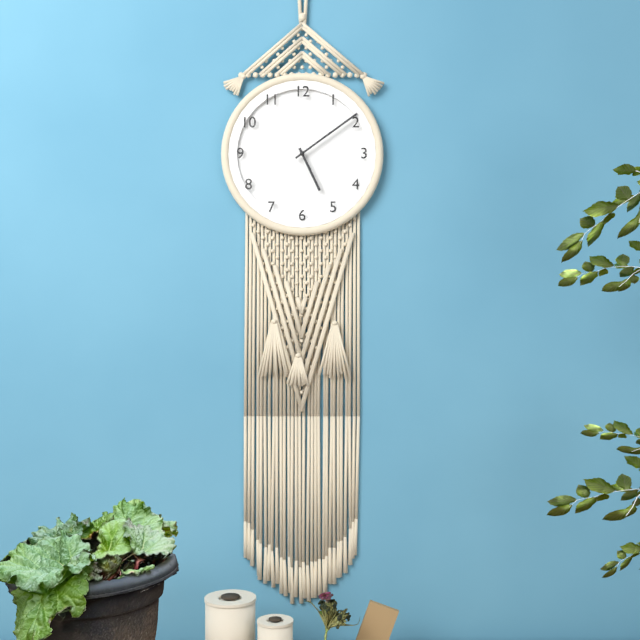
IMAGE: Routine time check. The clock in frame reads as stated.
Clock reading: 5:09
